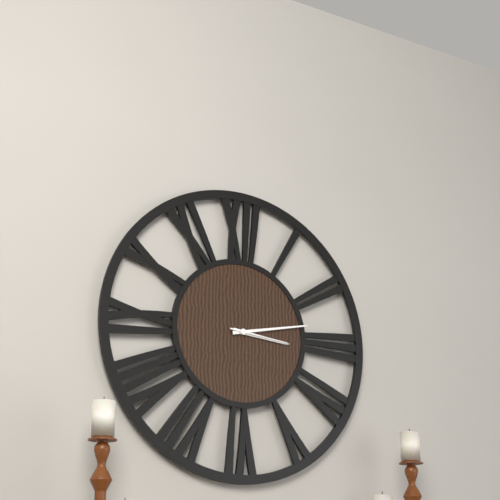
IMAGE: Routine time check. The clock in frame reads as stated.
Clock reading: 3:13:16
